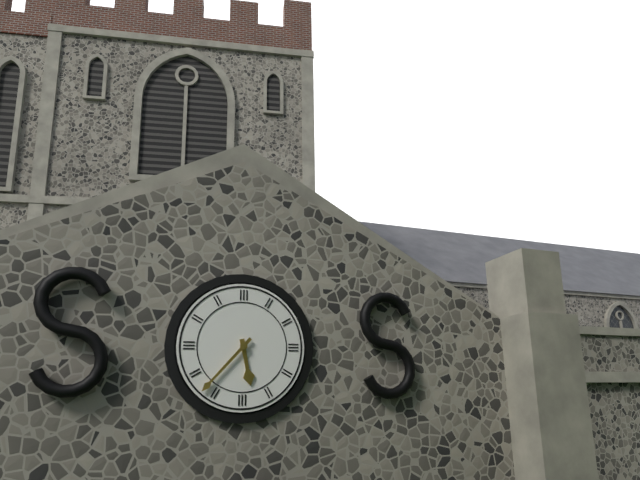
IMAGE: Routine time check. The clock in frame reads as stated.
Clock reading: 5:37
